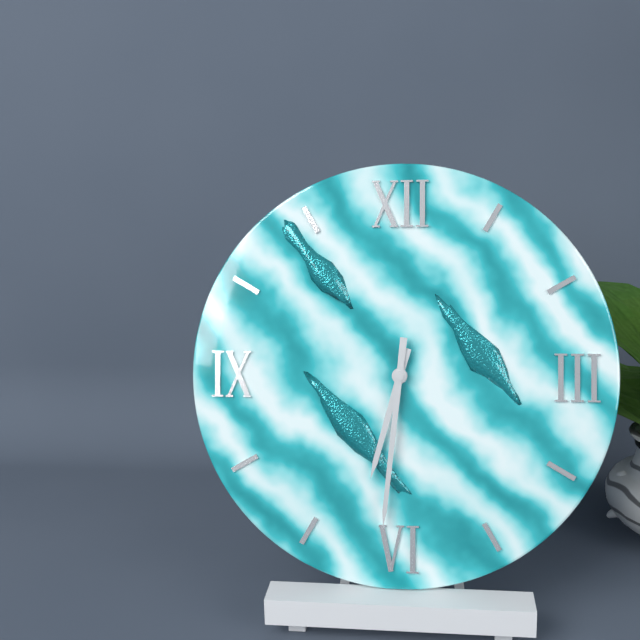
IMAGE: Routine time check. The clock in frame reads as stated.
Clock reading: 6:31
